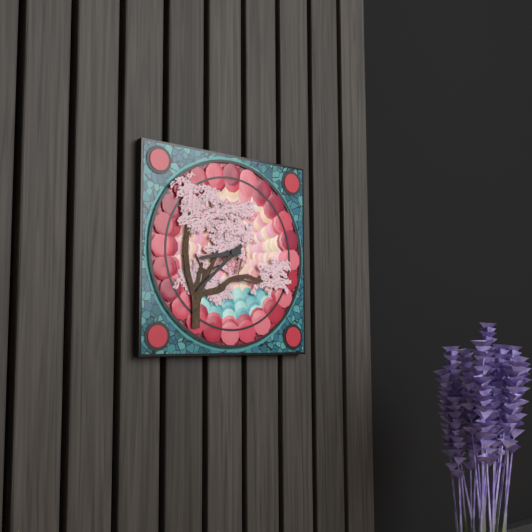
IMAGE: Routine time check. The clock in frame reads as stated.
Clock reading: 8:38
